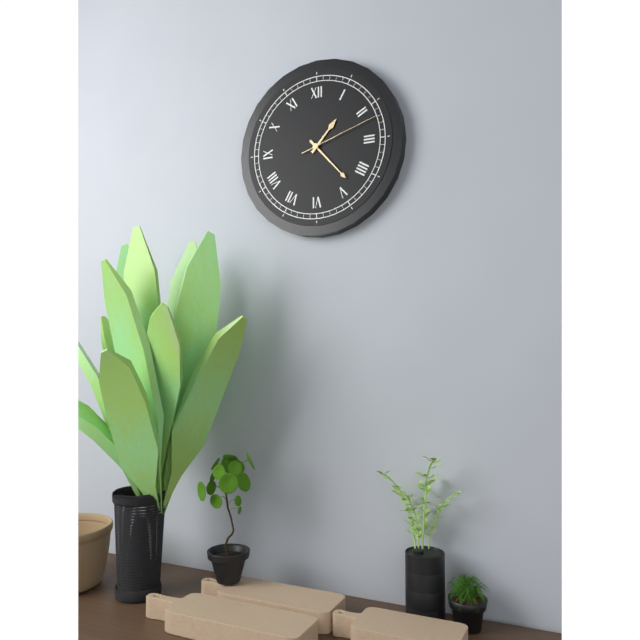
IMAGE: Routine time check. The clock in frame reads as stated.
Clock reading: 1:23:12
